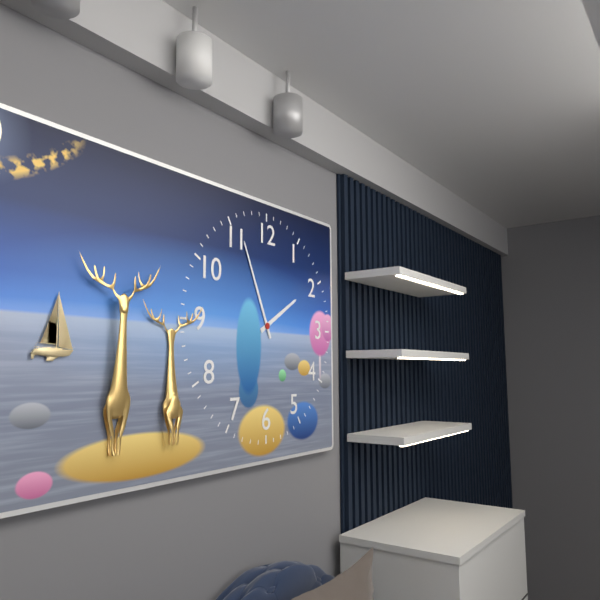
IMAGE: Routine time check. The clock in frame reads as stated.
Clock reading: 1:56
